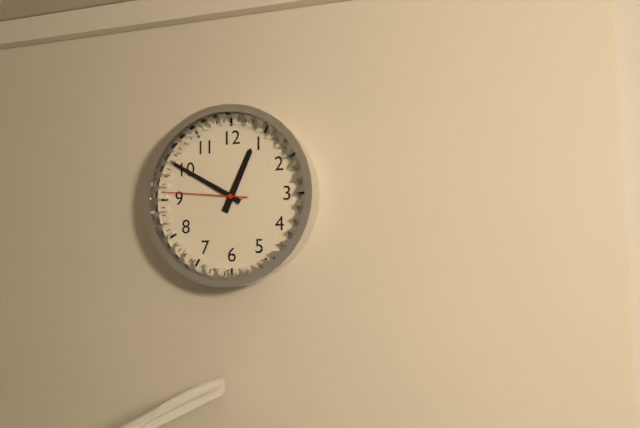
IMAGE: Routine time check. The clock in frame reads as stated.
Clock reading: 12:50:46
